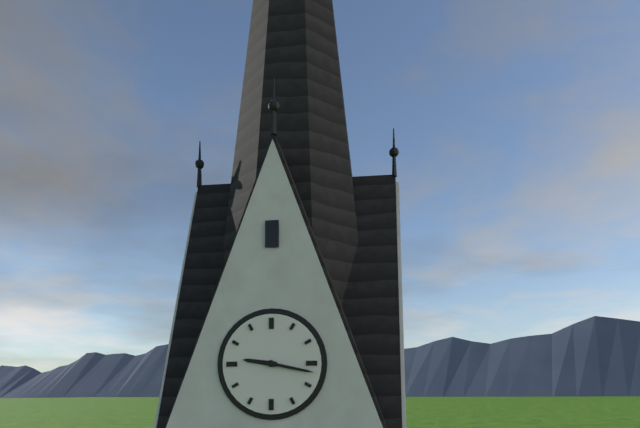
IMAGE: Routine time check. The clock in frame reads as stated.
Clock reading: 9:17
